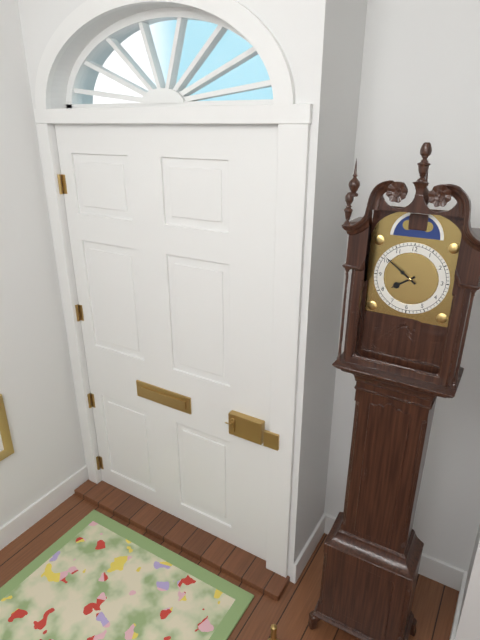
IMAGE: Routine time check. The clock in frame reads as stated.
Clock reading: 7:51
